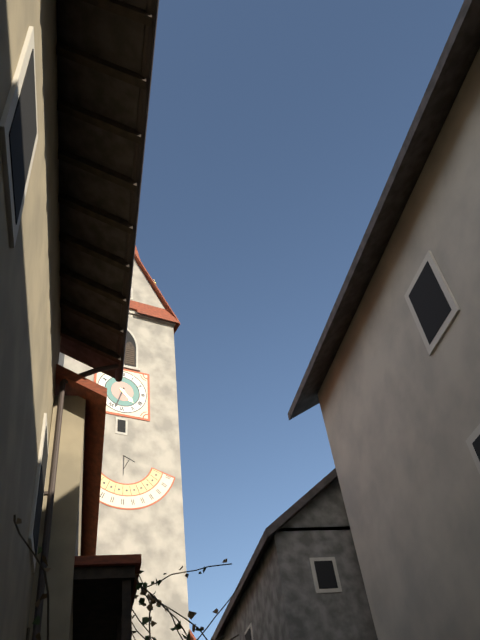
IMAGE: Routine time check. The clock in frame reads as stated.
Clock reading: 4:33
